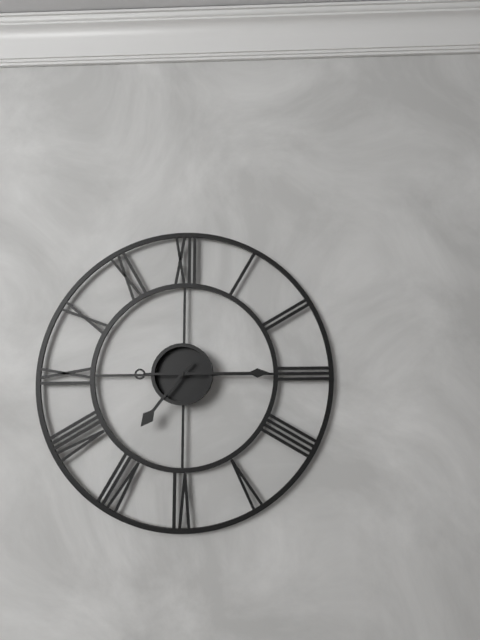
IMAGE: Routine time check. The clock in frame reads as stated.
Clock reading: 7:15
